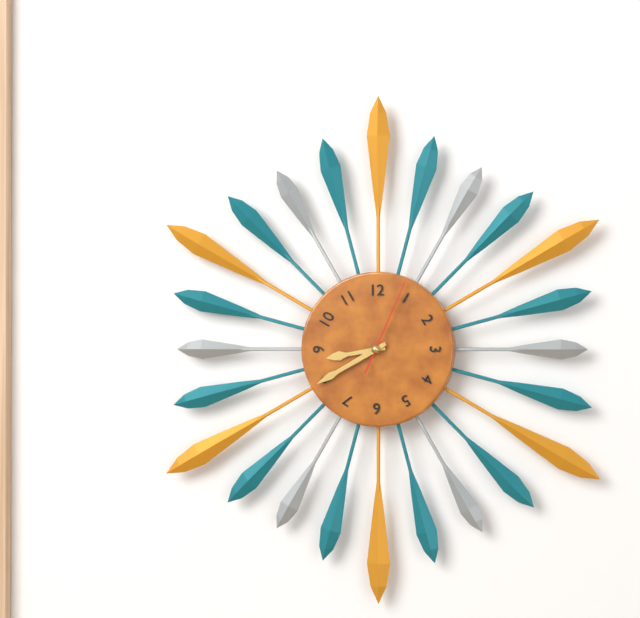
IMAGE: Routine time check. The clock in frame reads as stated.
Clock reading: 8:40:04
